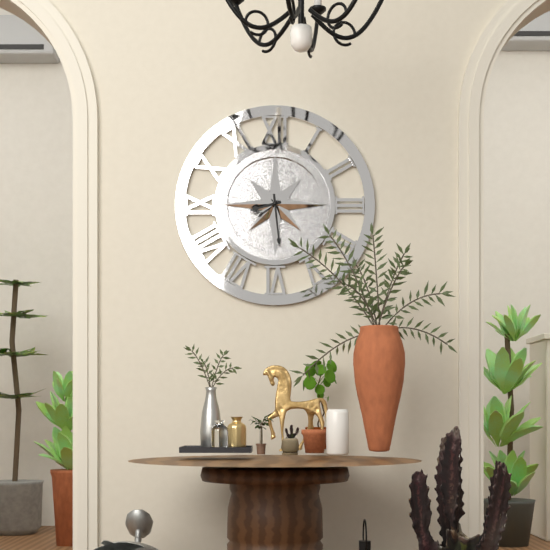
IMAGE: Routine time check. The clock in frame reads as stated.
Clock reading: 8:29
